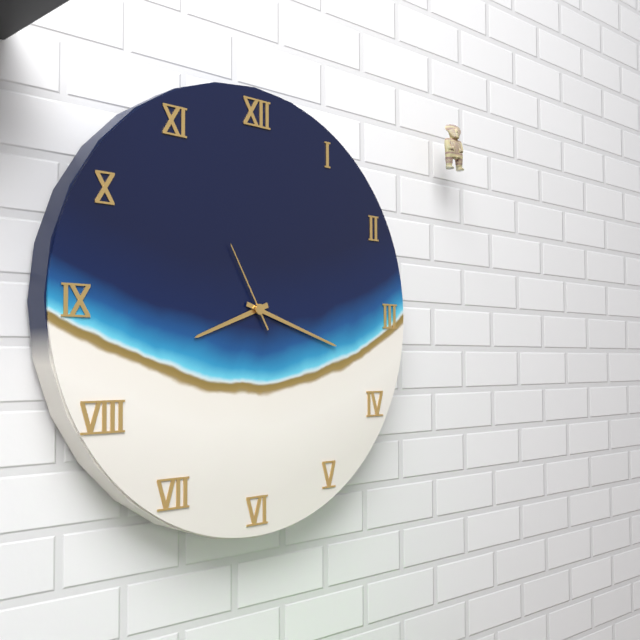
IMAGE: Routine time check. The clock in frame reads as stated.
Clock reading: 8:18:55
